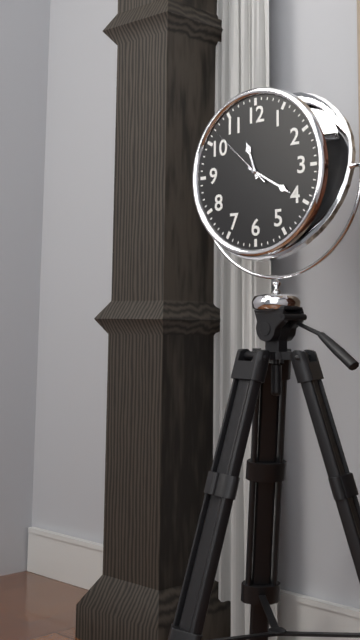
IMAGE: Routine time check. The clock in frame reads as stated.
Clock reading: 11:20:52
